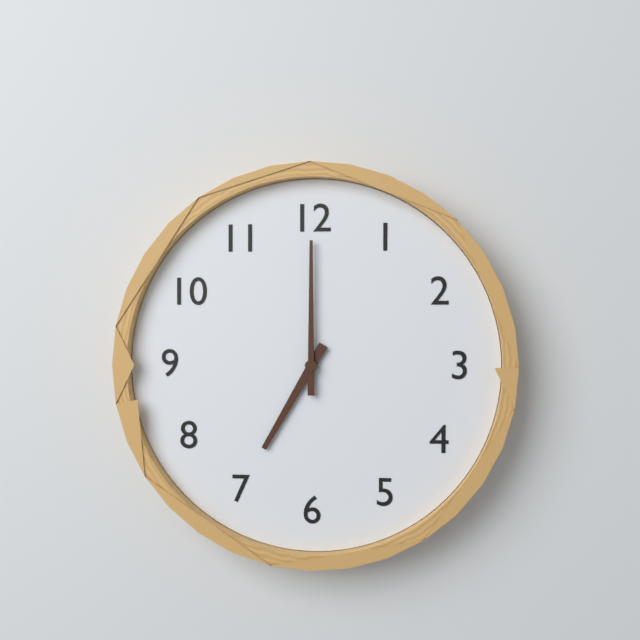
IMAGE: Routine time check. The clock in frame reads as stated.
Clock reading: 7:00
